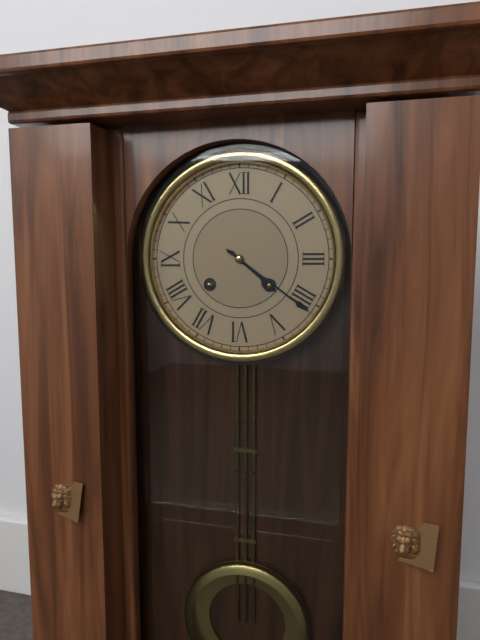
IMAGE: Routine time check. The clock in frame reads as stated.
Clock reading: 4:21
